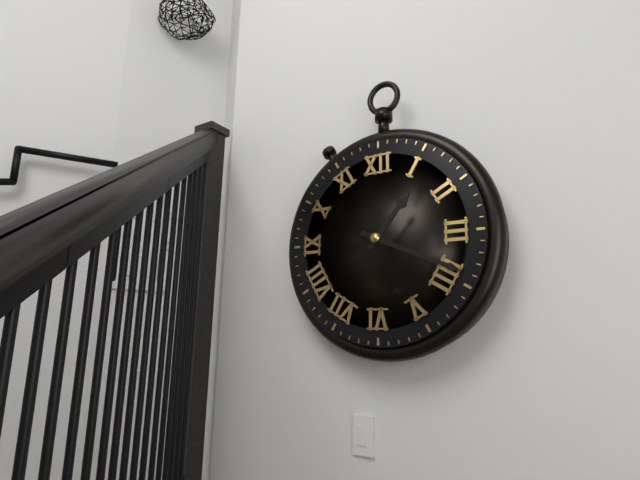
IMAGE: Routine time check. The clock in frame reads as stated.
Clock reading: 1:19
